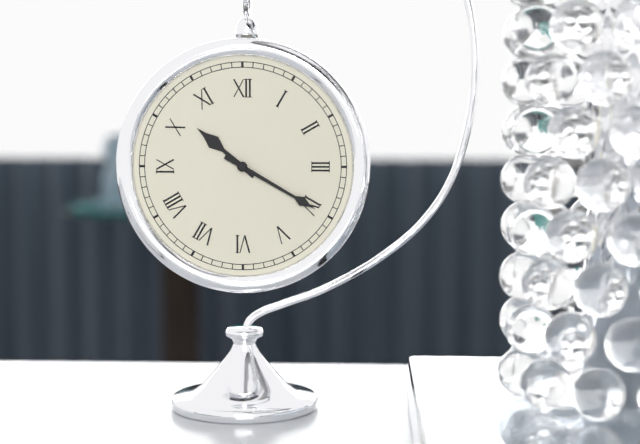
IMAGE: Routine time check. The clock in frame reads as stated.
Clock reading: 10:20
